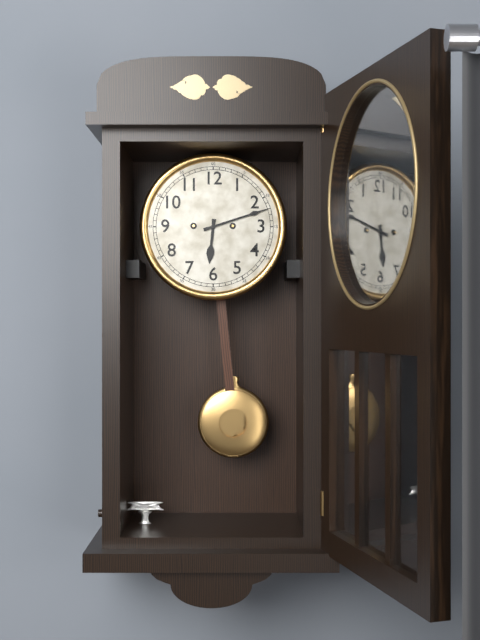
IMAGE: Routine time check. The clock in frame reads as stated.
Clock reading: 6:12
